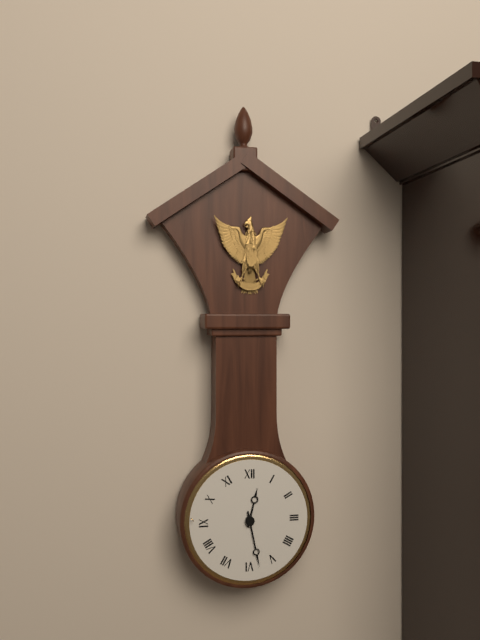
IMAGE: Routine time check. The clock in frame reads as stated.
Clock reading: 12:28
